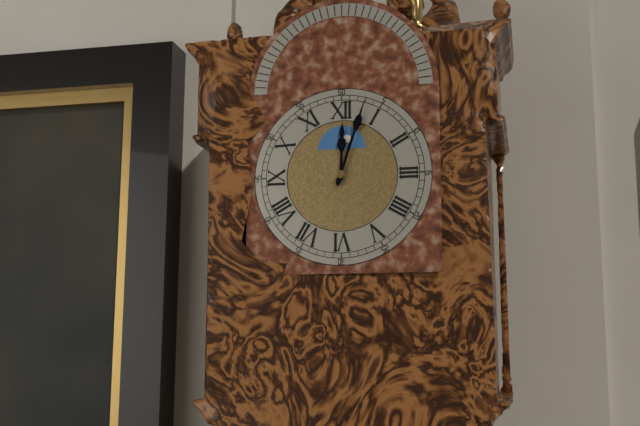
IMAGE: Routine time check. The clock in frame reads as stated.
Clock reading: 12:03
